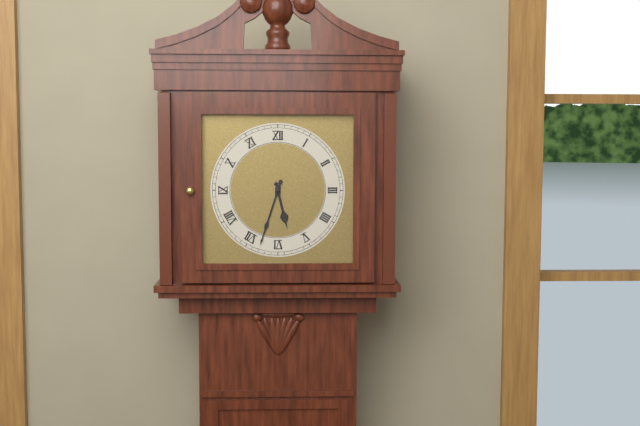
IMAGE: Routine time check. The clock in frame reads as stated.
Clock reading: 5:33
